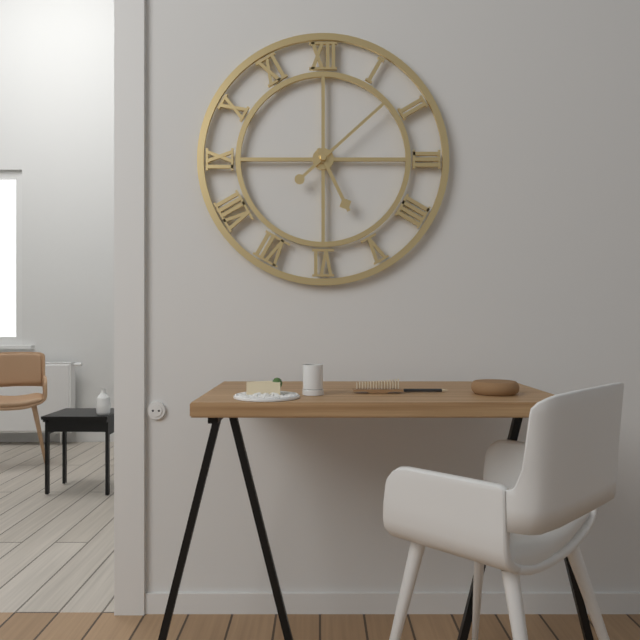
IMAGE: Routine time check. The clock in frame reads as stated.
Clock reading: 5:08
